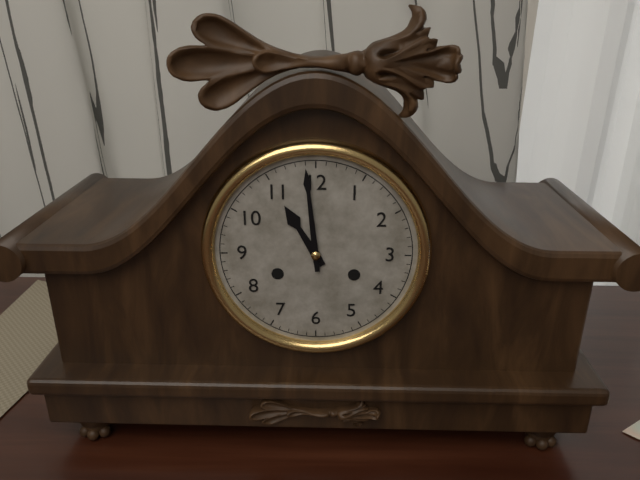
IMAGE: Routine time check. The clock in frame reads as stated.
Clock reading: 10:59
